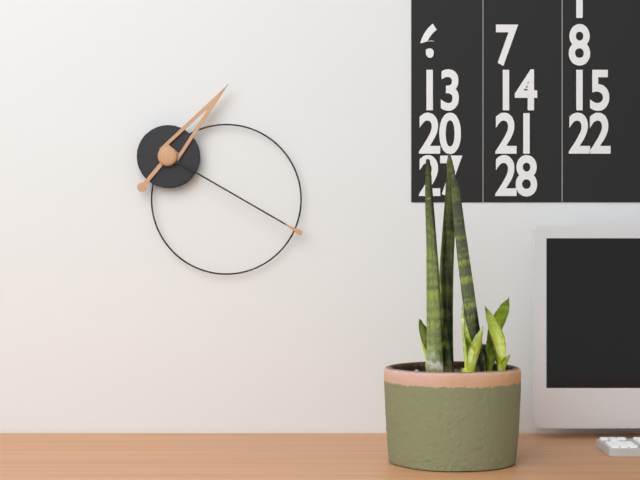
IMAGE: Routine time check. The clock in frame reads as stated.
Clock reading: 1:20
